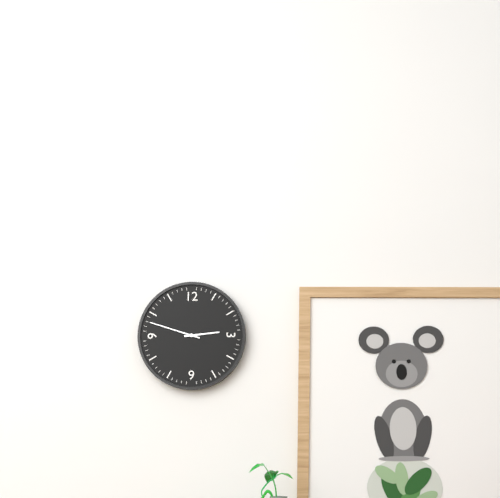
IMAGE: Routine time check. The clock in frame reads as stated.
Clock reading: 2:48
